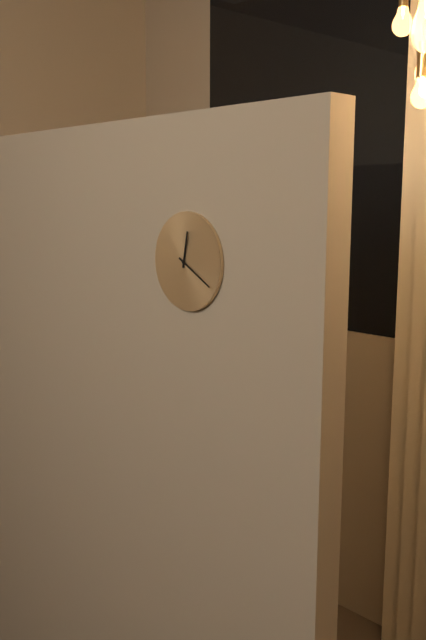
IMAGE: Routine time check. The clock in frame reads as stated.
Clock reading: 12:20
